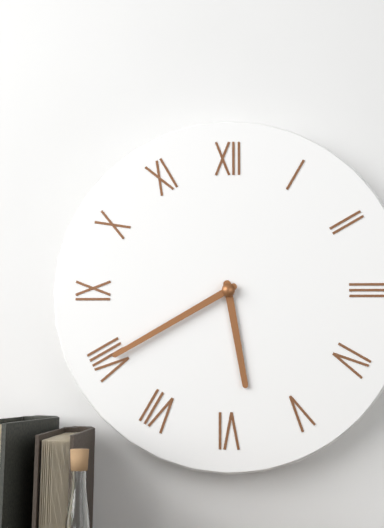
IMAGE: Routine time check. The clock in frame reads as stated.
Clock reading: 5:40
